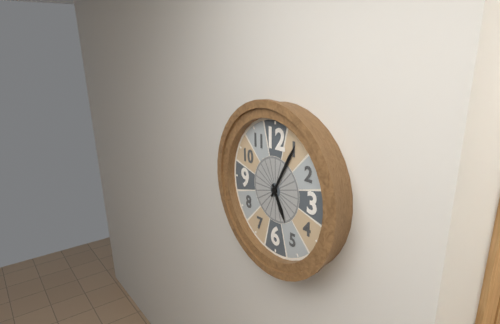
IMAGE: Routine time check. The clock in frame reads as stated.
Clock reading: 5:05
